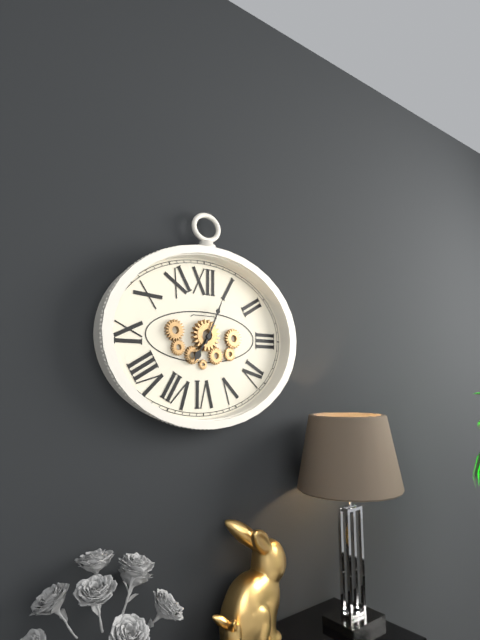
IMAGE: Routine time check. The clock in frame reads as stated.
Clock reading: 7:04
